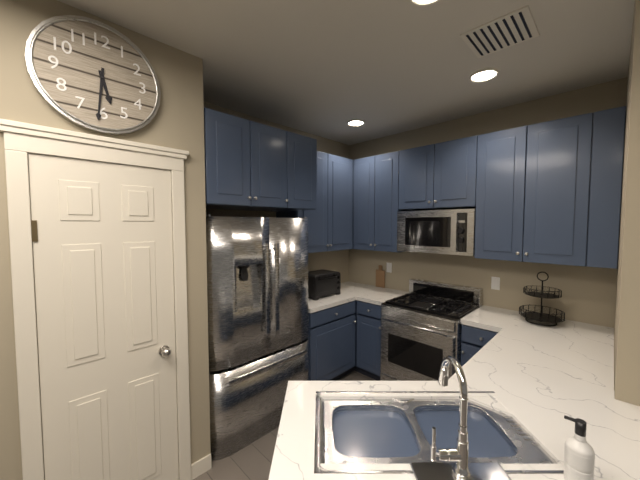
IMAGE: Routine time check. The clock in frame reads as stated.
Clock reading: 5:31
